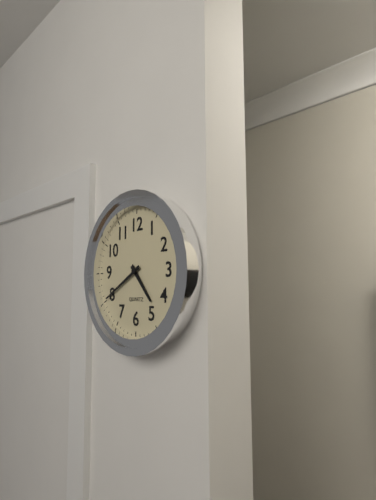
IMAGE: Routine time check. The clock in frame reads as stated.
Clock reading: 4:40
